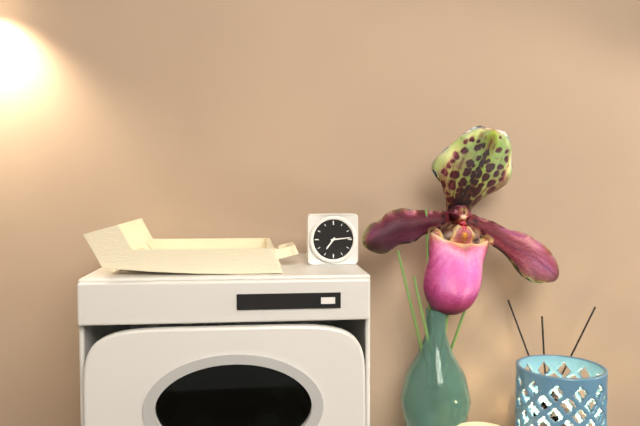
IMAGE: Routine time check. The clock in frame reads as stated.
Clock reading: 7:14
